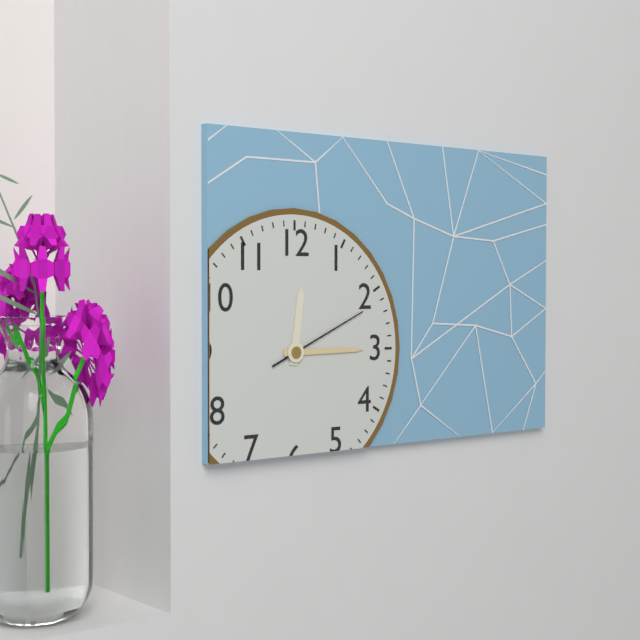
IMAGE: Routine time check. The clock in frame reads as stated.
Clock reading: 12:15:11
